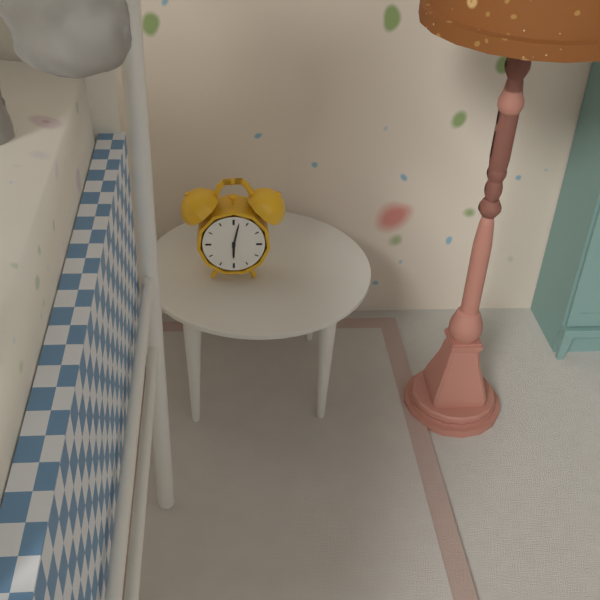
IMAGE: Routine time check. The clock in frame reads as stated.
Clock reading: 6:02
